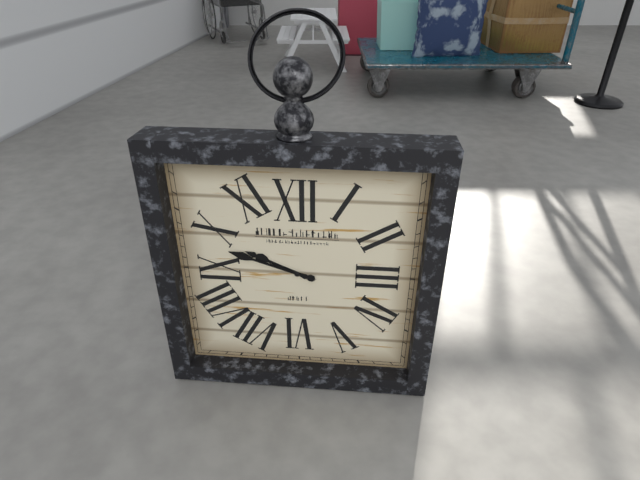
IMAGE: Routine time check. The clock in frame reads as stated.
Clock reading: 9:48
